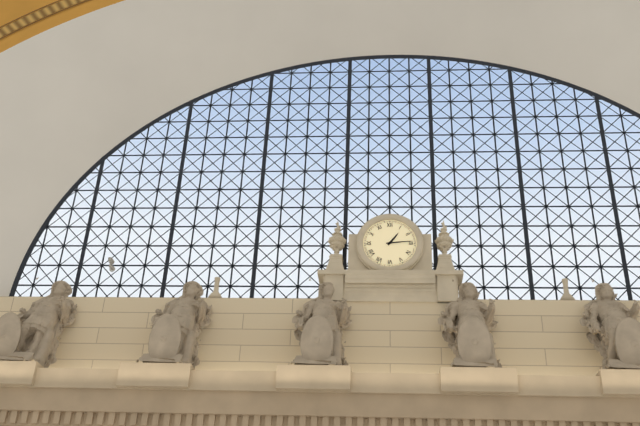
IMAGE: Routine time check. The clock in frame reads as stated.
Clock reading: 1:14
